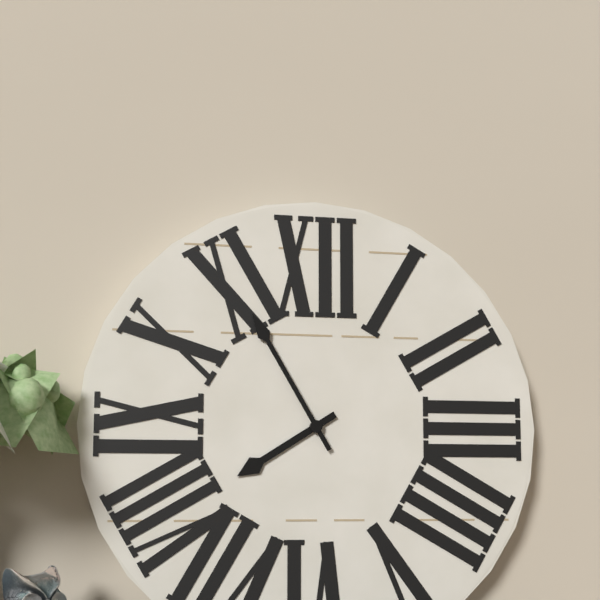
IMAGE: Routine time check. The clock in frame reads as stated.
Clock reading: 7:55
